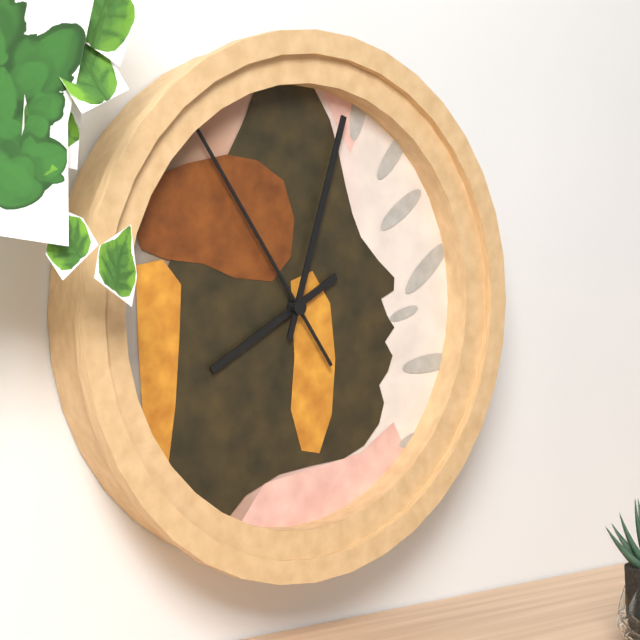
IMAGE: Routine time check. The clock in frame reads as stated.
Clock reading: 8:03:54
